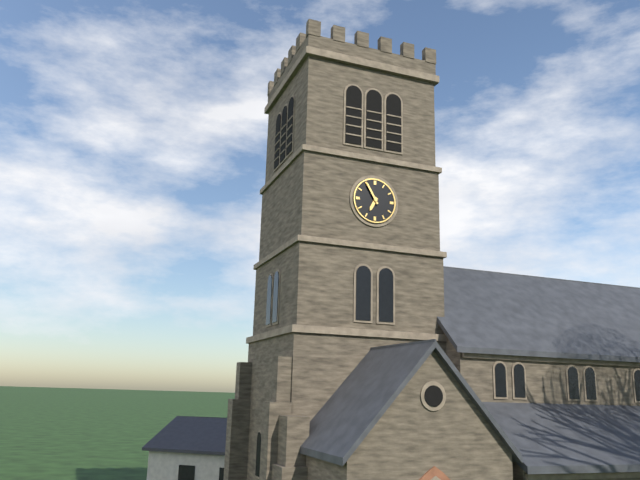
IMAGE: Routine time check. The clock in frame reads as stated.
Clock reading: 6:55
